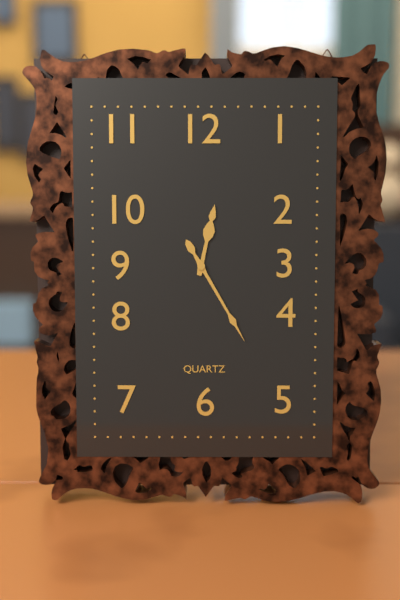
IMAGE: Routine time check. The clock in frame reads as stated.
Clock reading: 12:25
